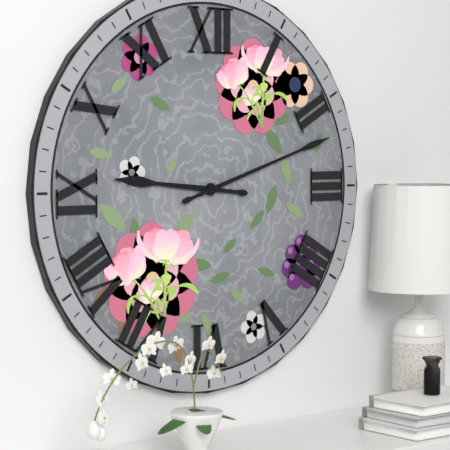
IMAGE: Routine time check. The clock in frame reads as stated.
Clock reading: 9:12
